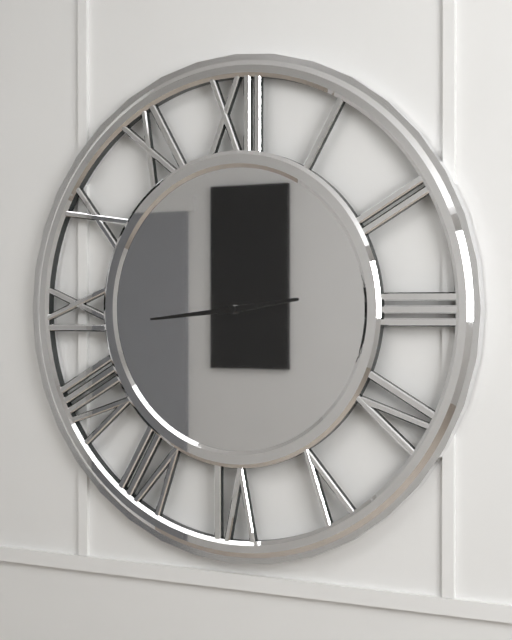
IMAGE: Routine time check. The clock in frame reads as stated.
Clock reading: 2:44
